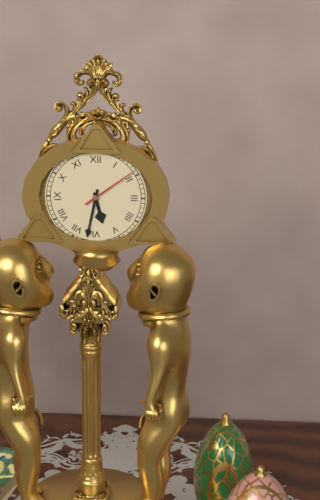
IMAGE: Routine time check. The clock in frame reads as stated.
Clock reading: 5:32:09
